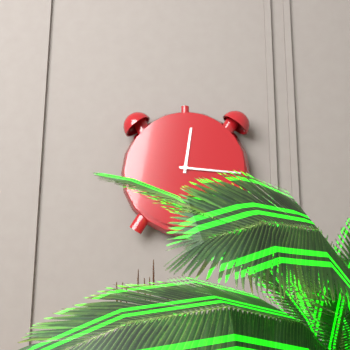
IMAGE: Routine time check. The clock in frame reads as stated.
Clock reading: 12:16
